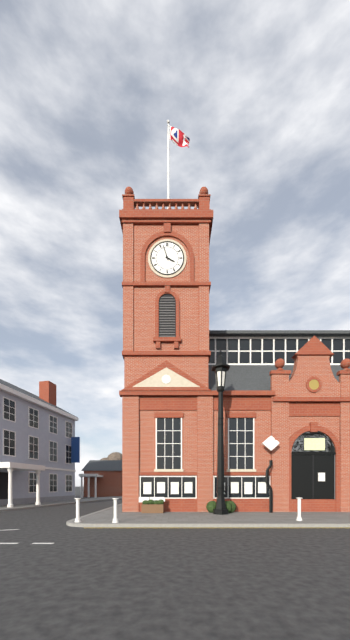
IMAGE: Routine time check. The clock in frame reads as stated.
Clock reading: 3:57
